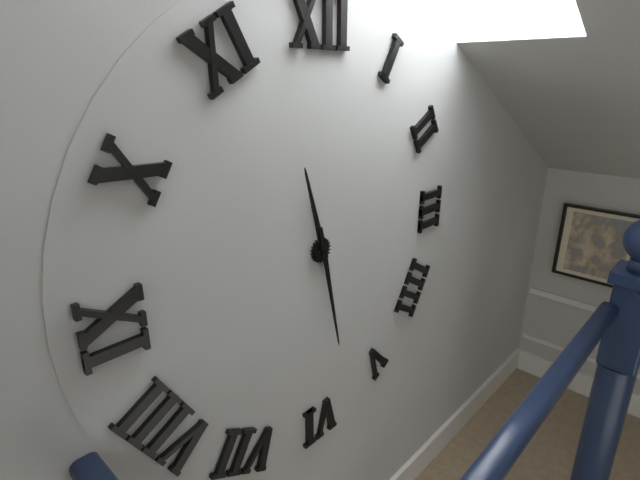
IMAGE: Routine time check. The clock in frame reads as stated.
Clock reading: 11:28
